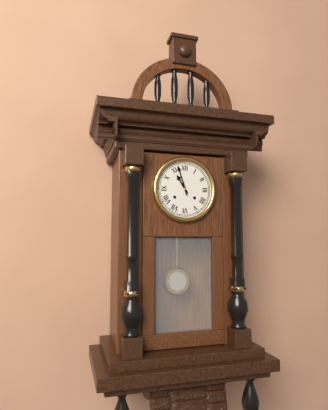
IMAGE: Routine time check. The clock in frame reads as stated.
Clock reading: 10:57
